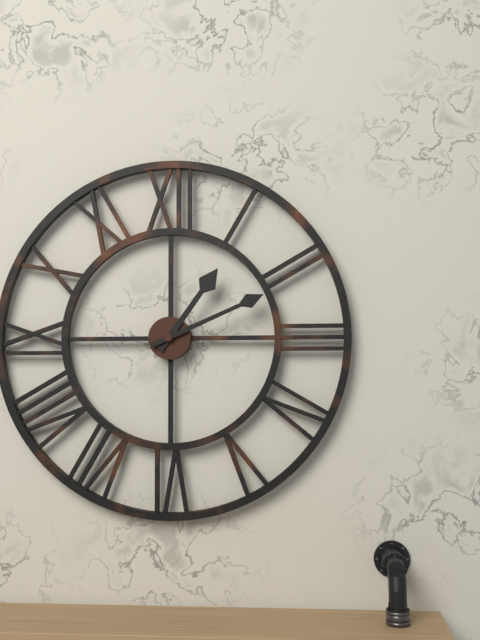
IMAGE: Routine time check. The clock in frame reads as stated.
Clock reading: 1:11
